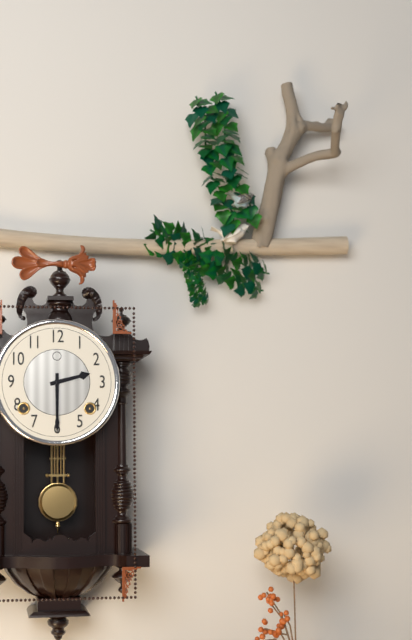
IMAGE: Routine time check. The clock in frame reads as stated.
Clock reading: 2:30
